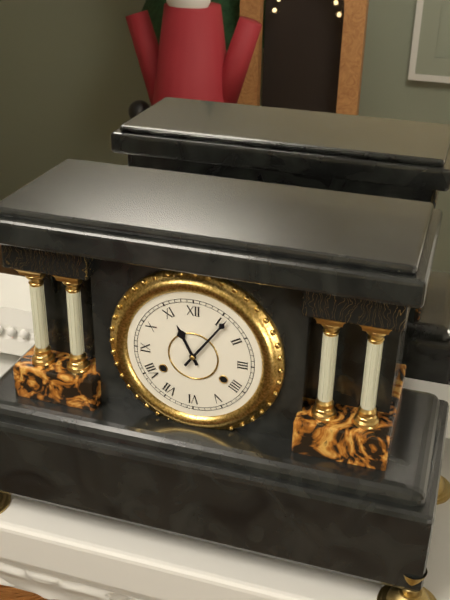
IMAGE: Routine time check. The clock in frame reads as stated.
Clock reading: 11:06
